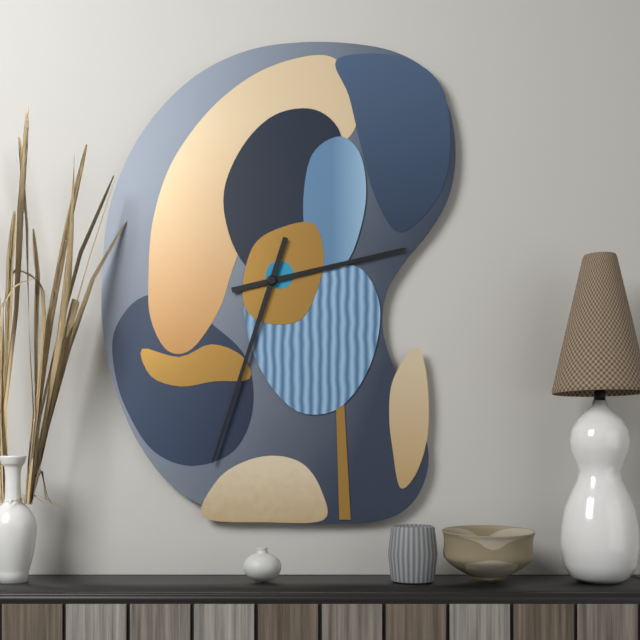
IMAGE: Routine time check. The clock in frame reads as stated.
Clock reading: 2:33
